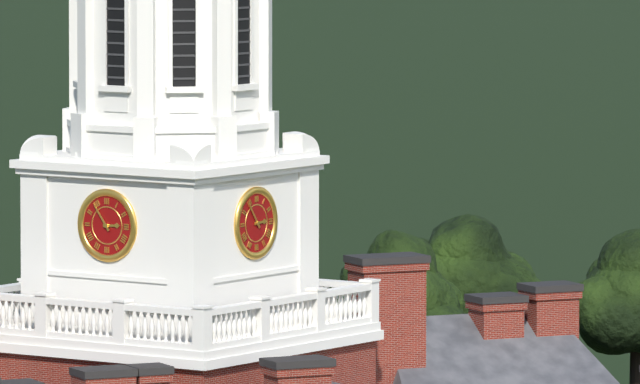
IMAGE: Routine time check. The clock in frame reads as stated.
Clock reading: 2:54
